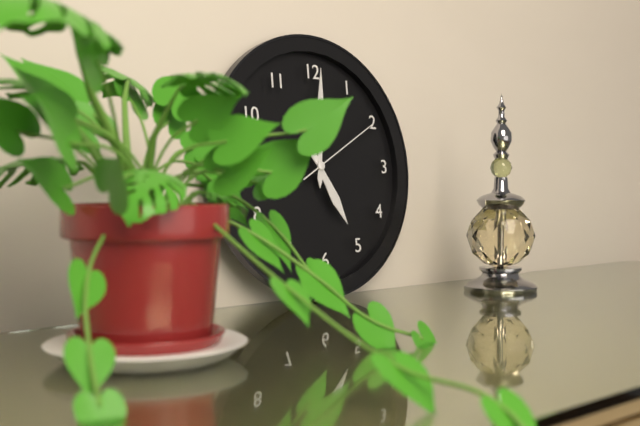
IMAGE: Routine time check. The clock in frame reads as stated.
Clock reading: 5:01:10
